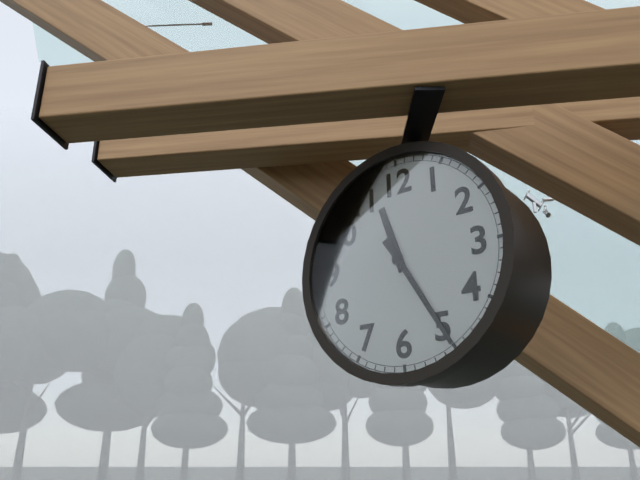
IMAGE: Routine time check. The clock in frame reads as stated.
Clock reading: 11:25
